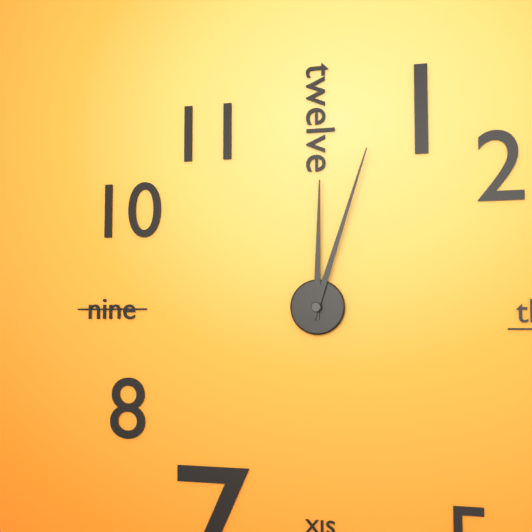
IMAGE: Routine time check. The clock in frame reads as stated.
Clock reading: 12:03
